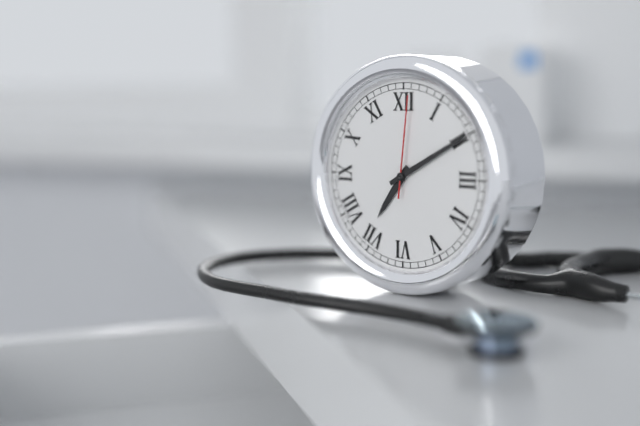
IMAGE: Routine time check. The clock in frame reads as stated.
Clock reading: 7:10:01
